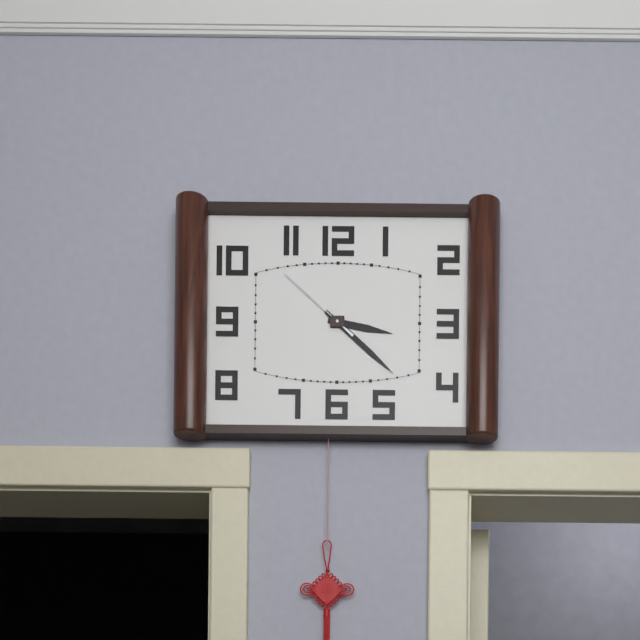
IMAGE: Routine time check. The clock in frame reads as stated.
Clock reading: 3:22:52
